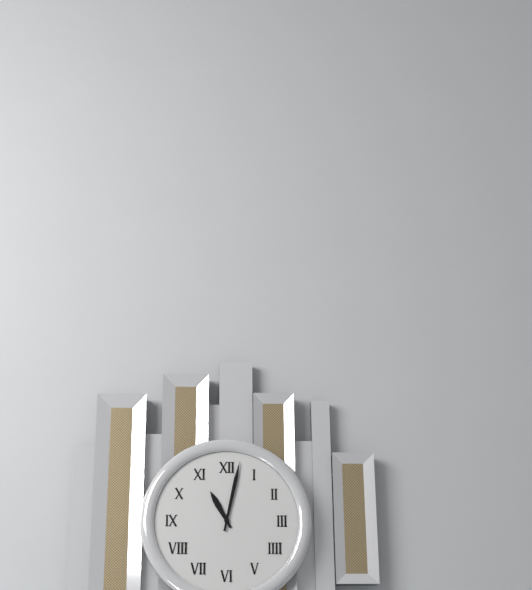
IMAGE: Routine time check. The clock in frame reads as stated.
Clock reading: 11:02
